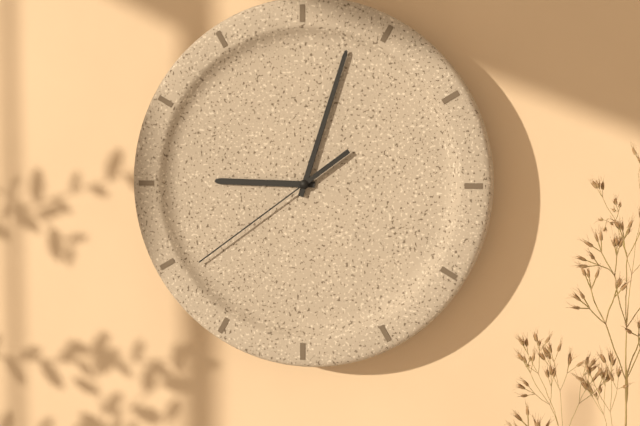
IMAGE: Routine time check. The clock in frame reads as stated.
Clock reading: 9:03:39
